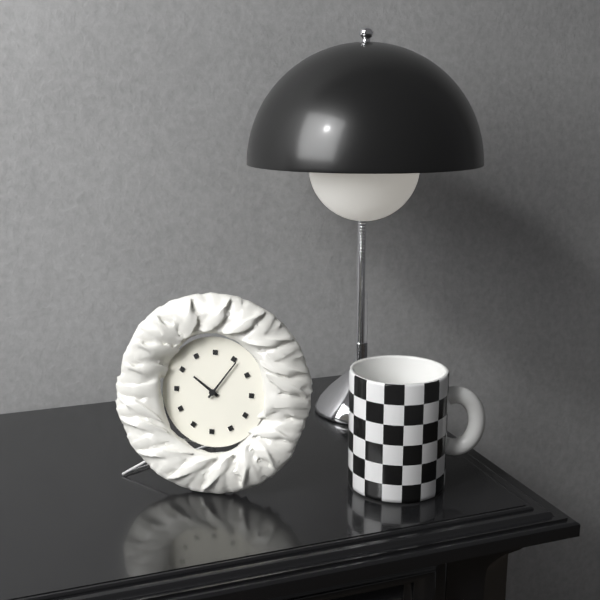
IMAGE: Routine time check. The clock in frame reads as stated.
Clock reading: 10:06
